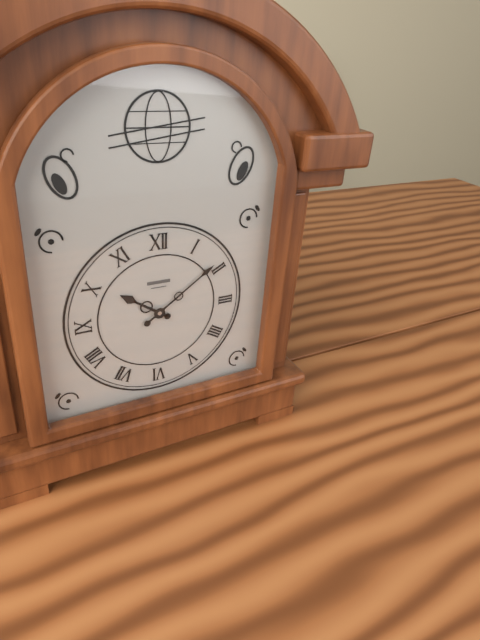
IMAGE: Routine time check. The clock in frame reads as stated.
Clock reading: 10:09
